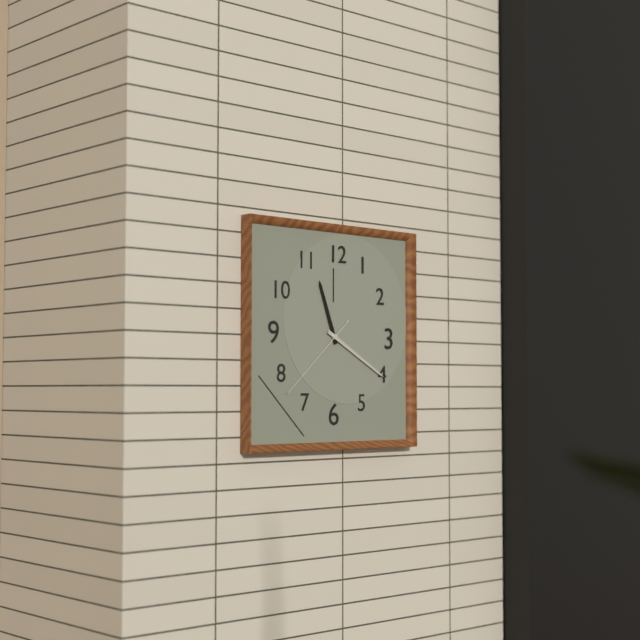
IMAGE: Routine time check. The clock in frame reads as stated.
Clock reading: 11:20:38
